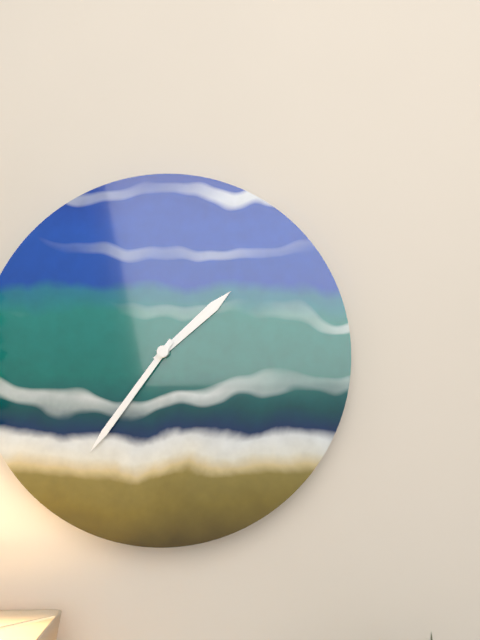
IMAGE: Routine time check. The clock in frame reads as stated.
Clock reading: 1:36
